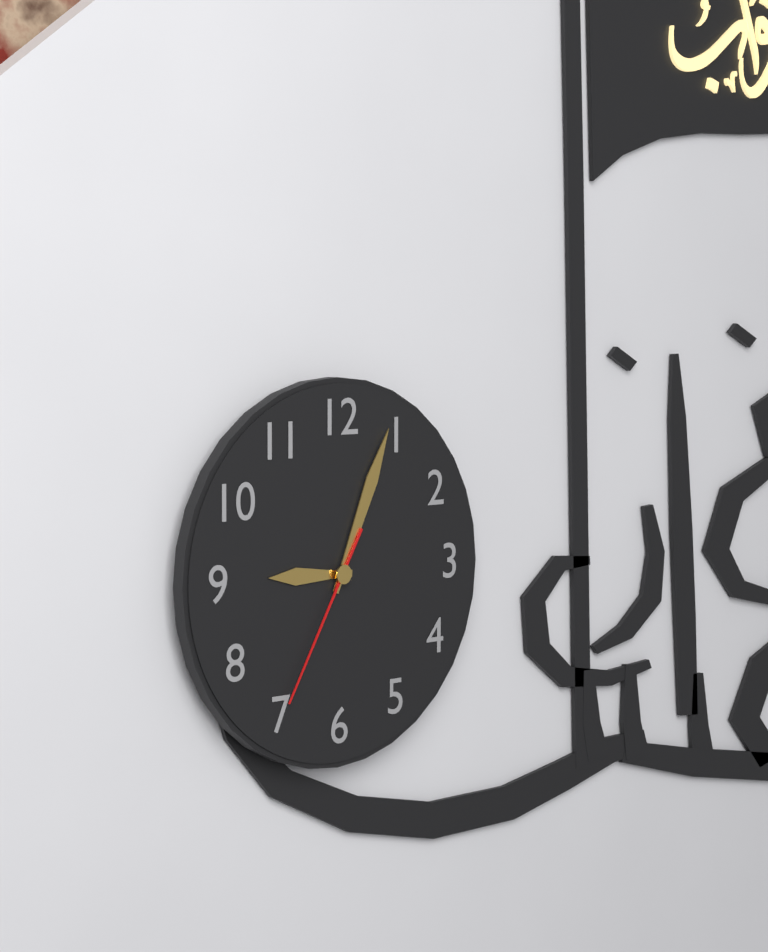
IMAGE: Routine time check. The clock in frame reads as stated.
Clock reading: 9:04:35
